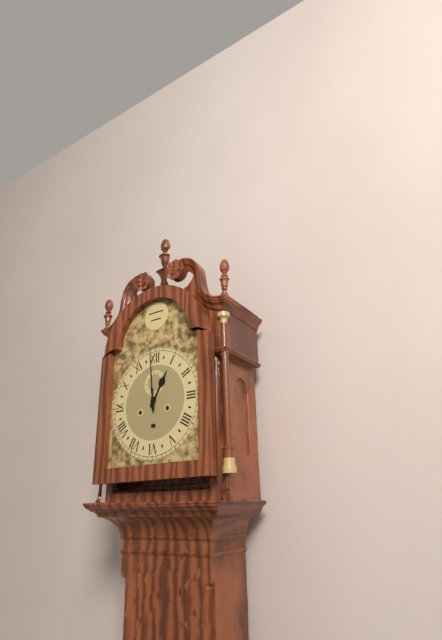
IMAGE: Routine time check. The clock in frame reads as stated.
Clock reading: 12:59
